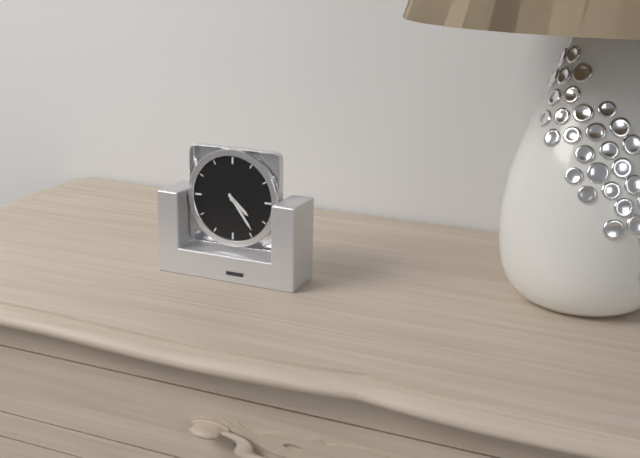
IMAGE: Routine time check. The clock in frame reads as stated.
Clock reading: 4:24
